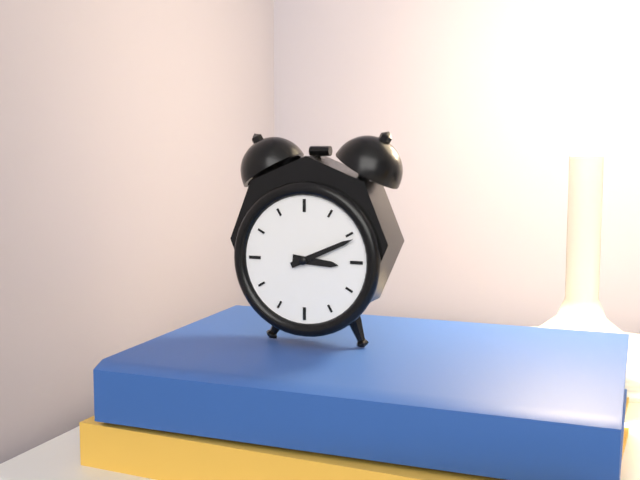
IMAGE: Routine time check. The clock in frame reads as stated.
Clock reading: 3:11
